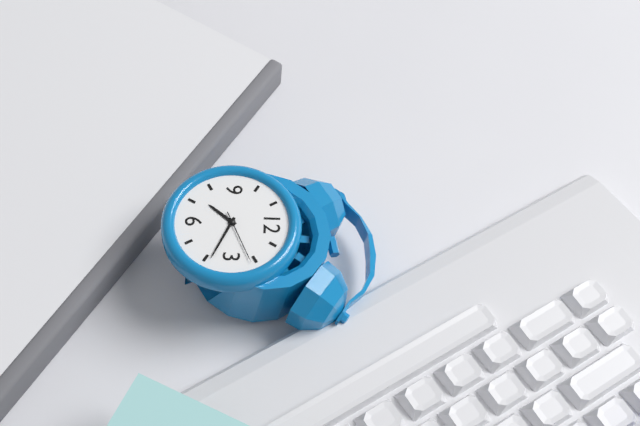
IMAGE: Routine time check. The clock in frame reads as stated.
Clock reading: 7:19:11
